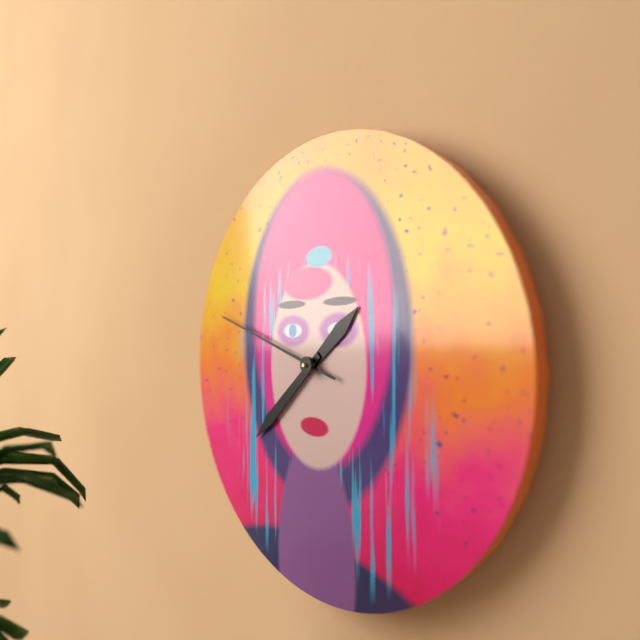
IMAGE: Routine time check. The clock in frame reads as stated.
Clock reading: 1:38:48
